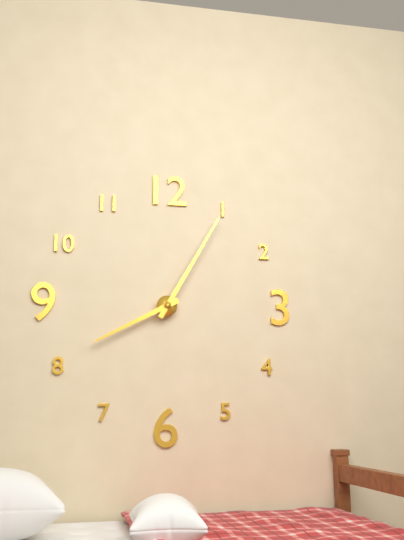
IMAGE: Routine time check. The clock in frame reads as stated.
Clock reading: 8:05
